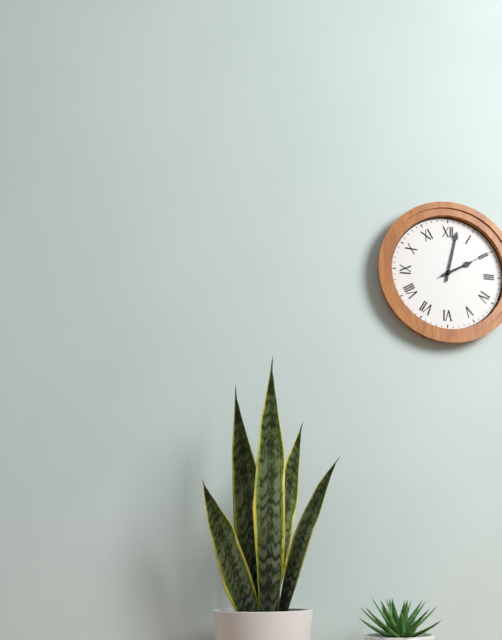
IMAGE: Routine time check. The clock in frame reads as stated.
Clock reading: 2:02:10
